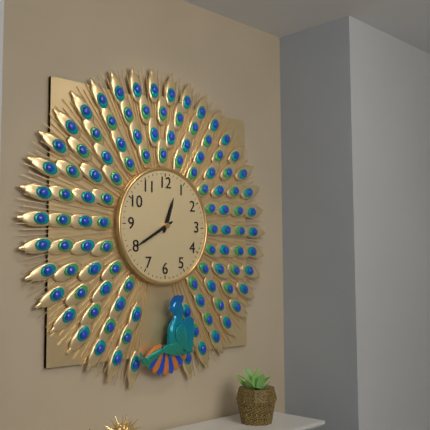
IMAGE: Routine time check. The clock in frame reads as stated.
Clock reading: 12:40
